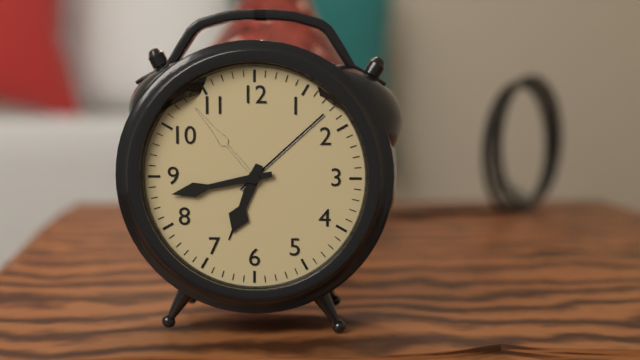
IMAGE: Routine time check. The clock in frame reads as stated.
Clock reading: 6:43
